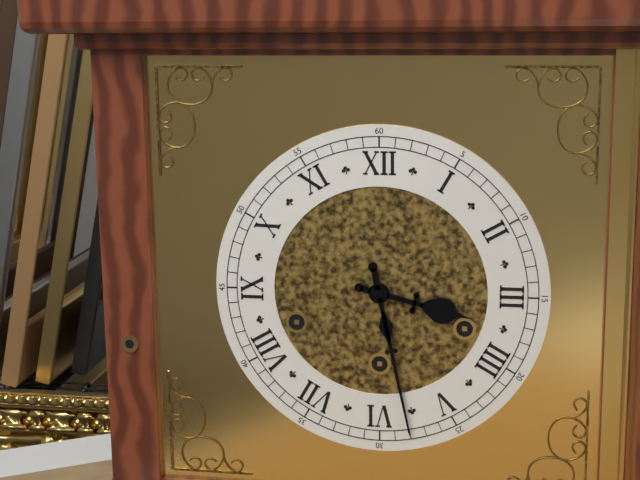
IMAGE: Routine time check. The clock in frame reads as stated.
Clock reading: 3:28
